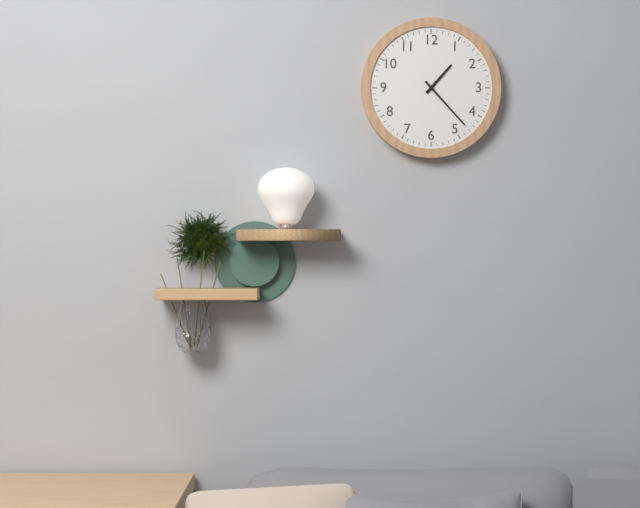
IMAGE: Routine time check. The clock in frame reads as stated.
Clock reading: 1:23
